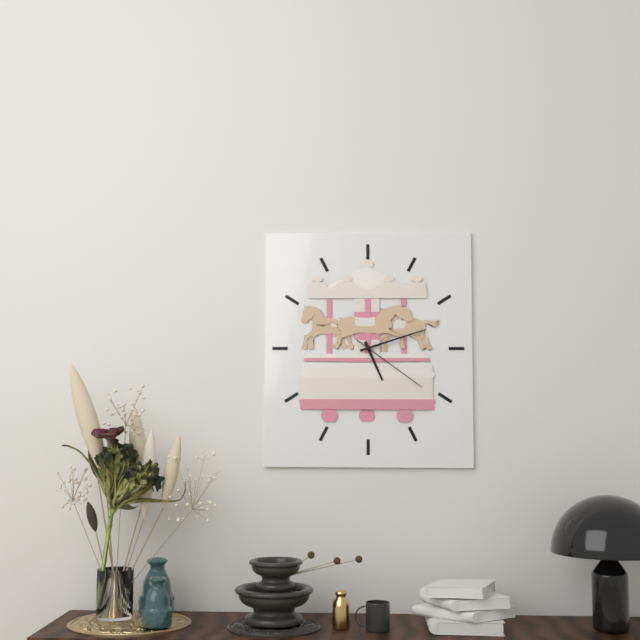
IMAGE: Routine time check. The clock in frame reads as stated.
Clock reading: 5:12:21
